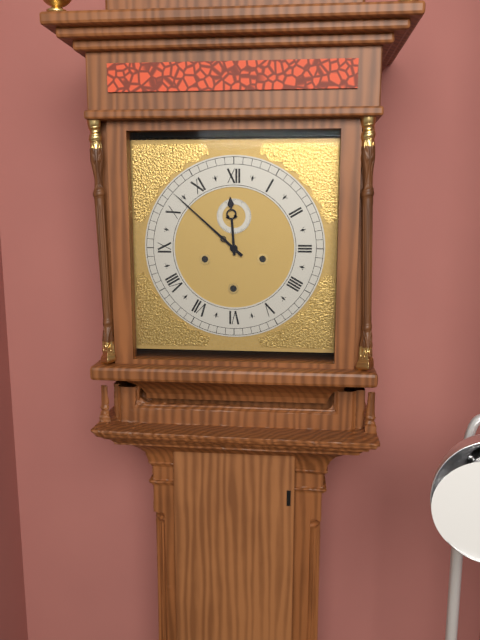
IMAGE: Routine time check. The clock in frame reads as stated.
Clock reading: 11:52
